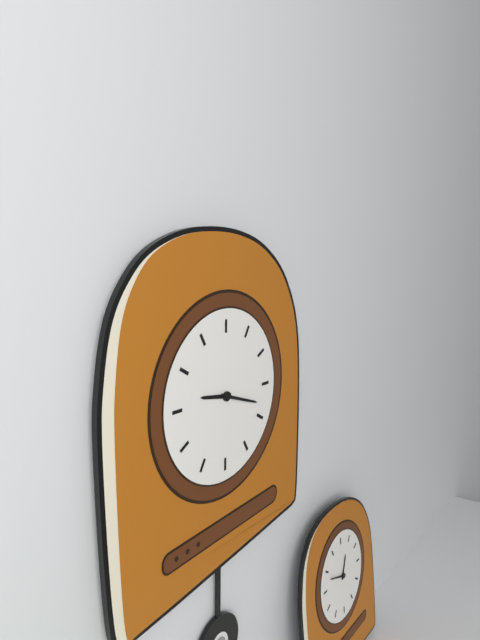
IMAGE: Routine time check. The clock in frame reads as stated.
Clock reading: 9:18
